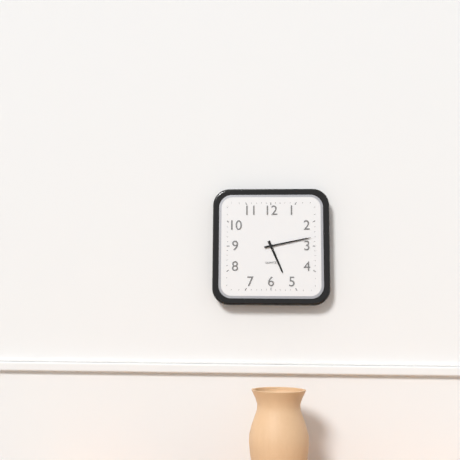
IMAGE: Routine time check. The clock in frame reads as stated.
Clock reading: 5:13
